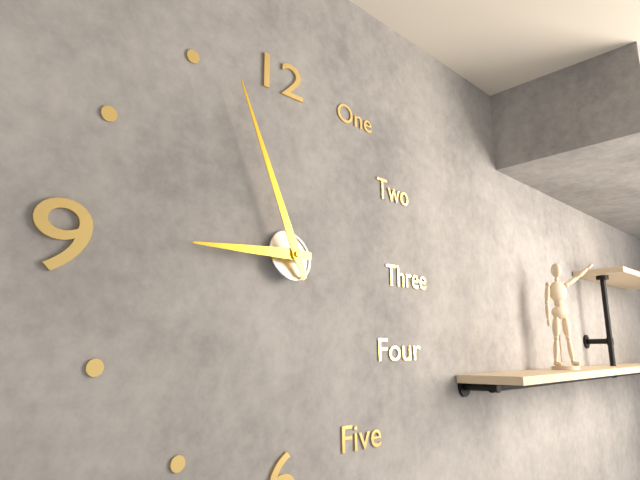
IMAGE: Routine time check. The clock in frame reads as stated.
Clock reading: 8:56
